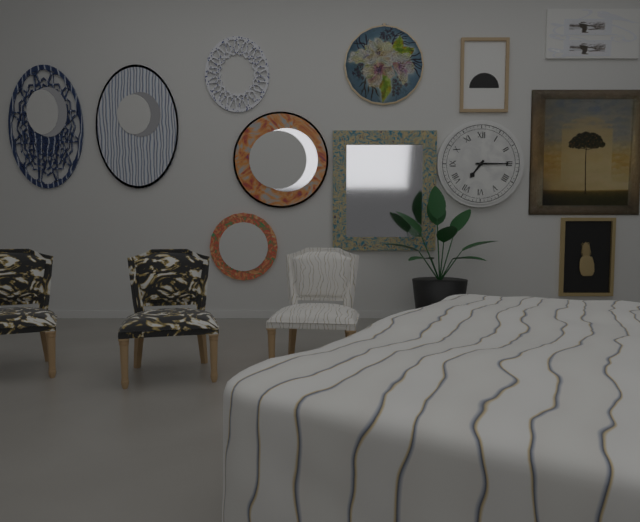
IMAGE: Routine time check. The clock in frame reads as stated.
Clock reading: 7:15
